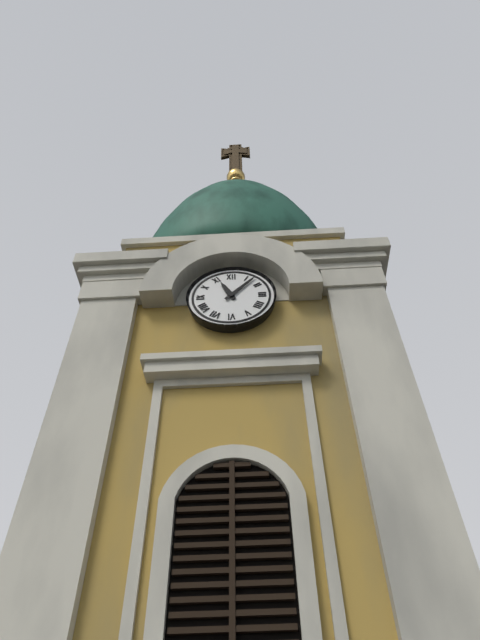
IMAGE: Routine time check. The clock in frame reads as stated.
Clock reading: 11:07
